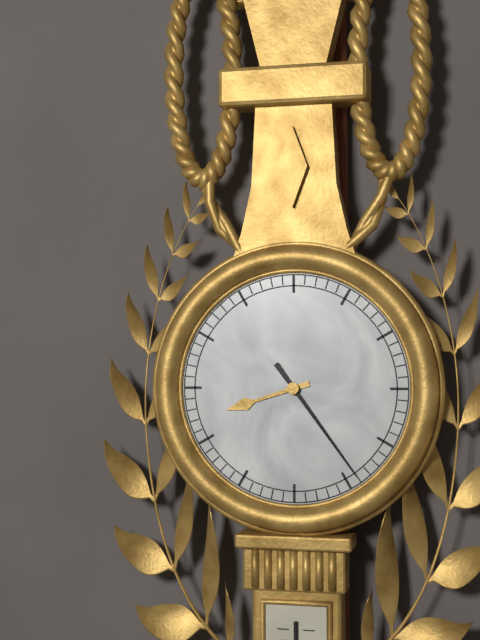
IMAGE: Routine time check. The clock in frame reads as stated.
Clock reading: 8:24
